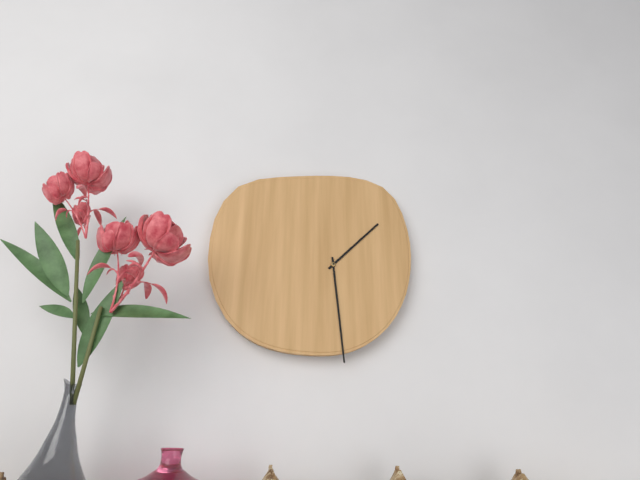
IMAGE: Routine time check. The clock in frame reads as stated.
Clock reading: 1:29
